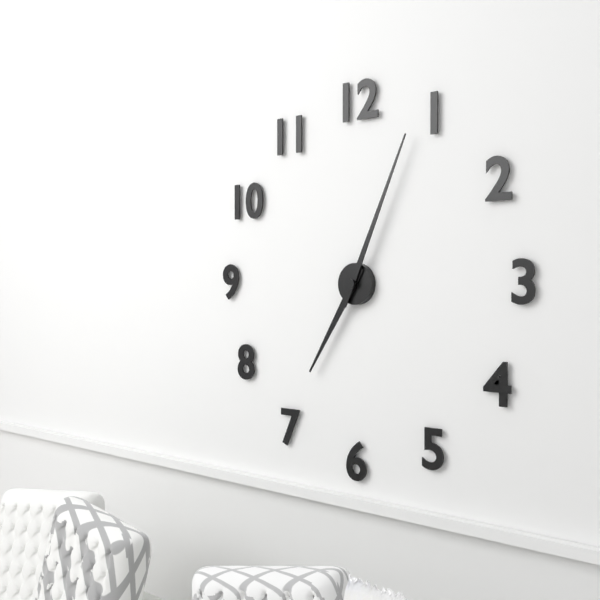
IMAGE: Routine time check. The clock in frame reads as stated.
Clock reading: 7:04
